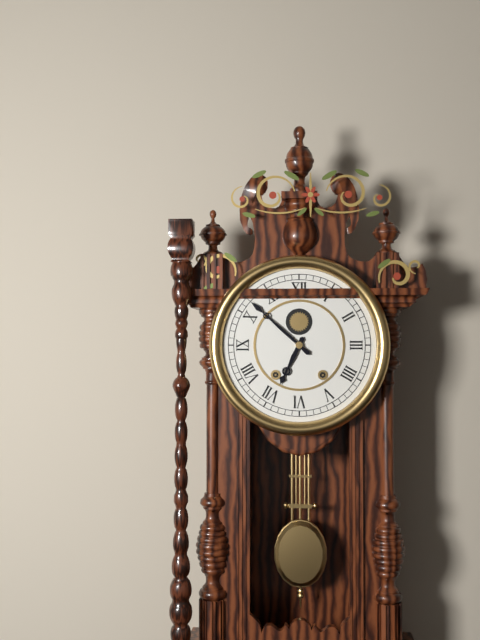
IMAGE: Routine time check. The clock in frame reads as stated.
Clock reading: 6:52
